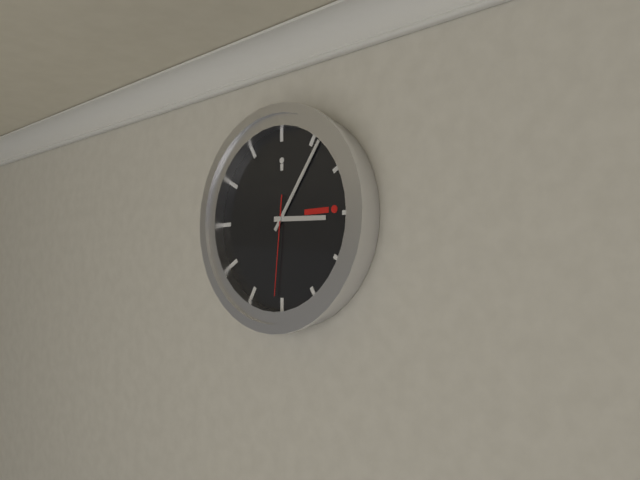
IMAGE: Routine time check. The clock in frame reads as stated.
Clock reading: 3:06:31
